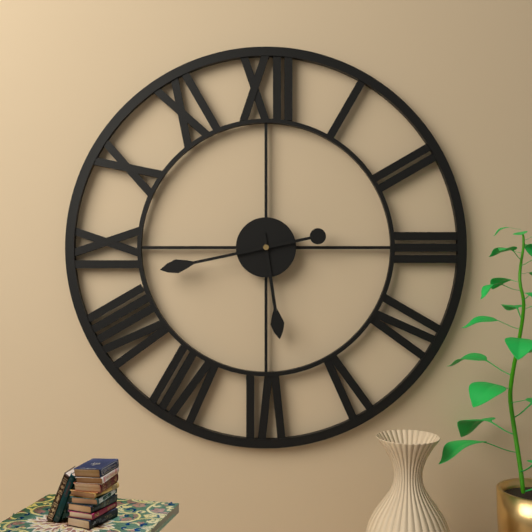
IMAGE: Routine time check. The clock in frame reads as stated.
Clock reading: 5:43
